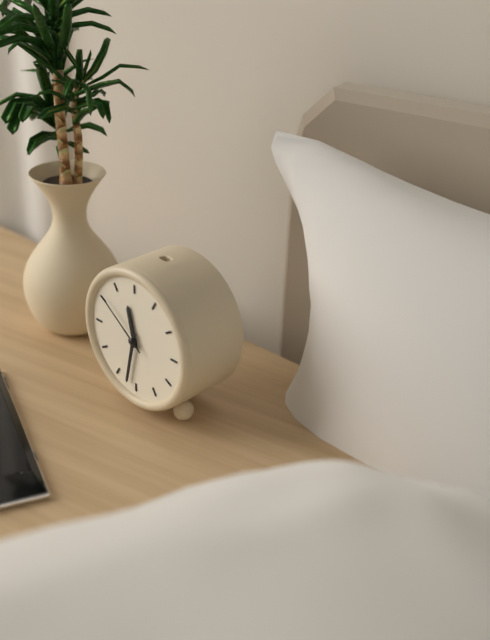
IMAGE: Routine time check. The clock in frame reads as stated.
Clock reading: 11:32:51
